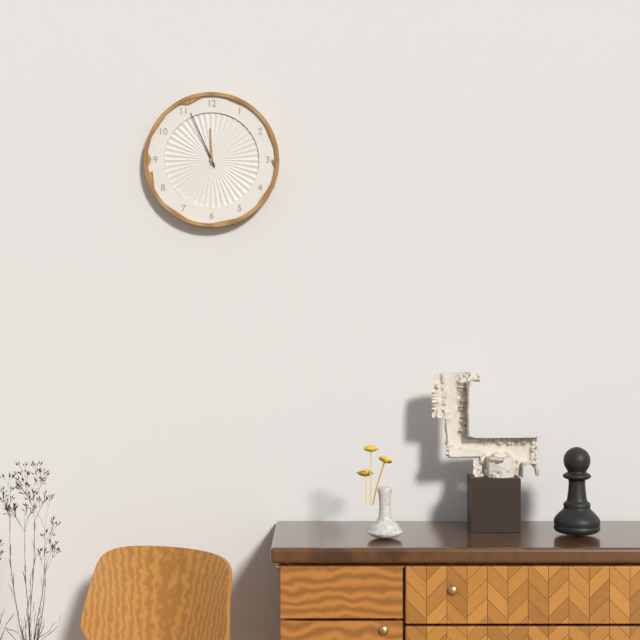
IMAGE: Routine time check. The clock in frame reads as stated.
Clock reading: 11:56
